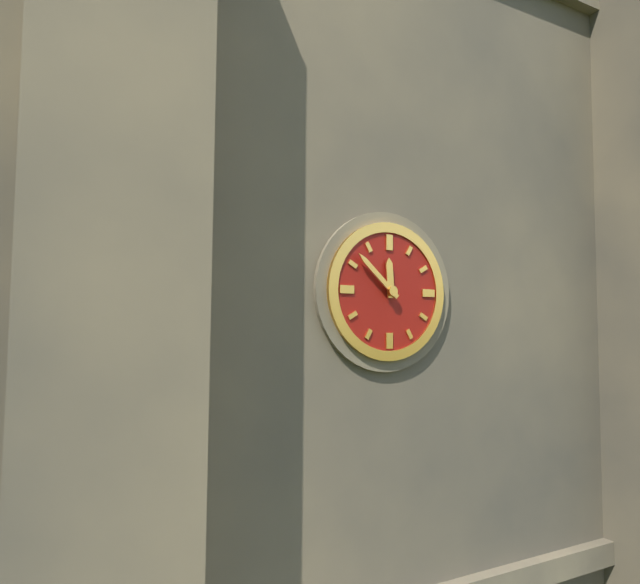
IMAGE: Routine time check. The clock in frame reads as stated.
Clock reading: 11:52
